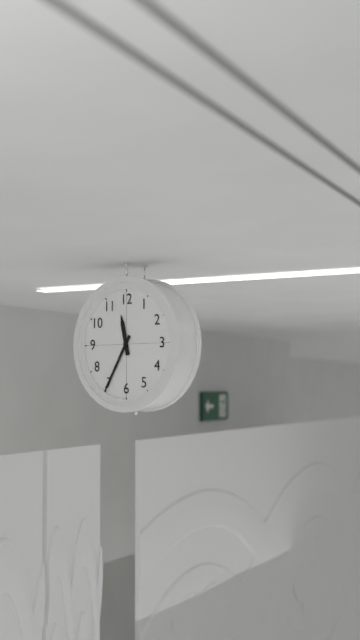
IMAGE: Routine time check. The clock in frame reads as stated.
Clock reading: 11:35
